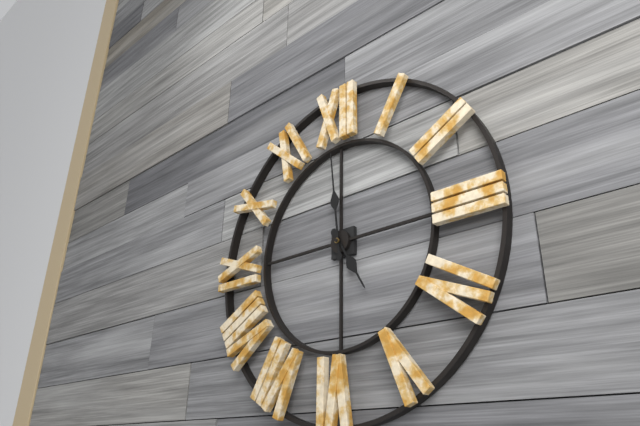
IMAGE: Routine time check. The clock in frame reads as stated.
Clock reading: 4:59
